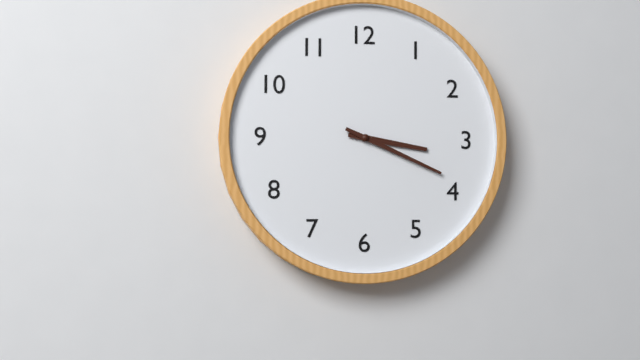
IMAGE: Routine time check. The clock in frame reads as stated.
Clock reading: 3:19
